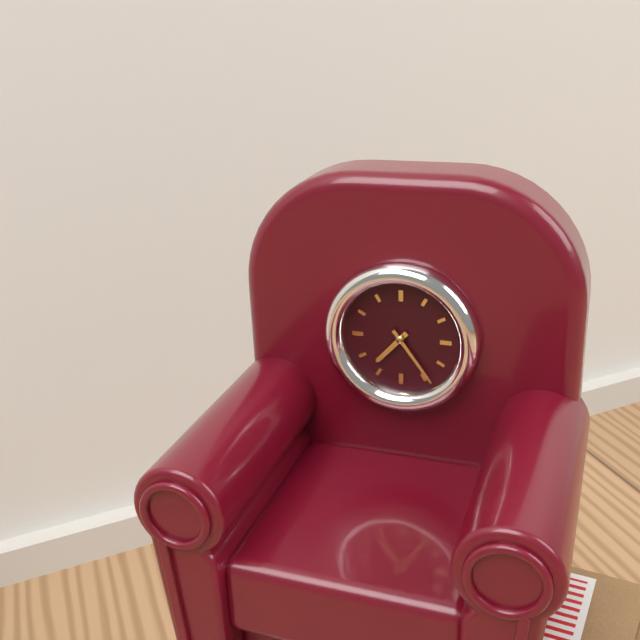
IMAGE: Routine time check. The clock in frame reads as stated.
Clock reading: 7:24
